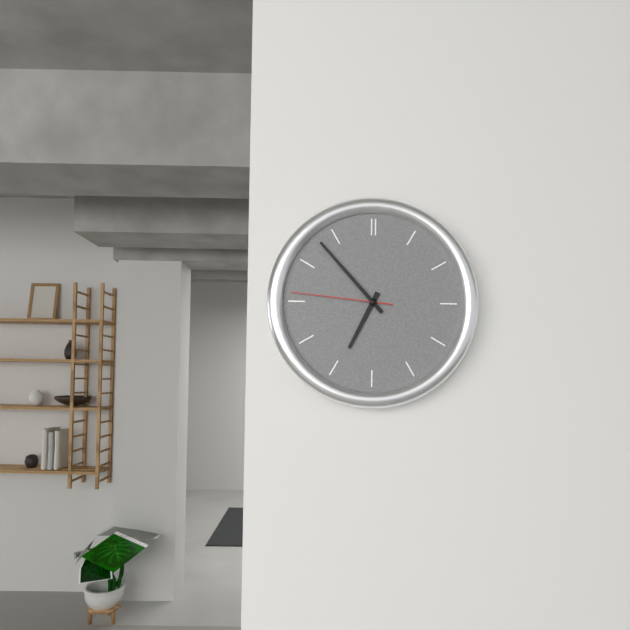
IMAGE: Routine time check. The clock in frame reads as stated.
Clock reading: 6:53:46
